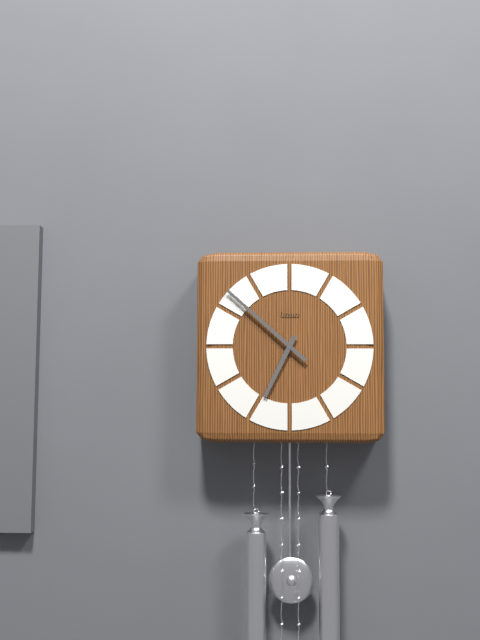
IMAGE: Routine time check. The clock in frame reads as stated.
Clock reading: 6:52
